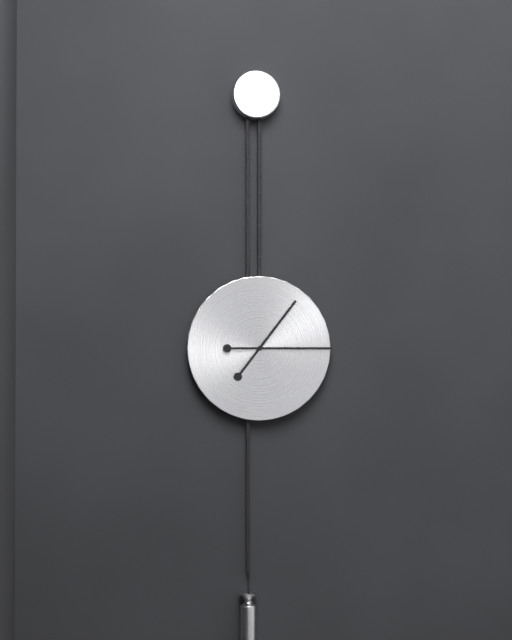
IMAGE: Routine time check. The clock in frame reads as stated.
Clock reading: 1:15
